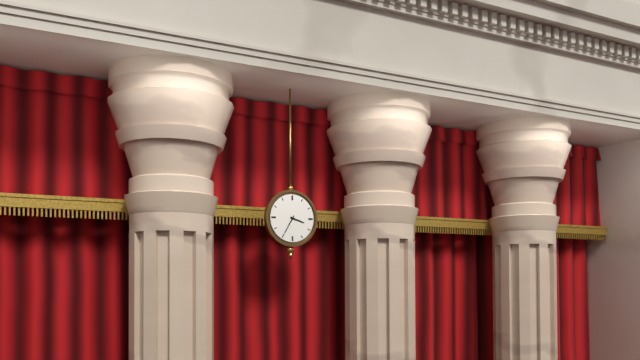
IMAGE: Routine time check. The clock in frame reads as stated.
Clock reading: 3:35
